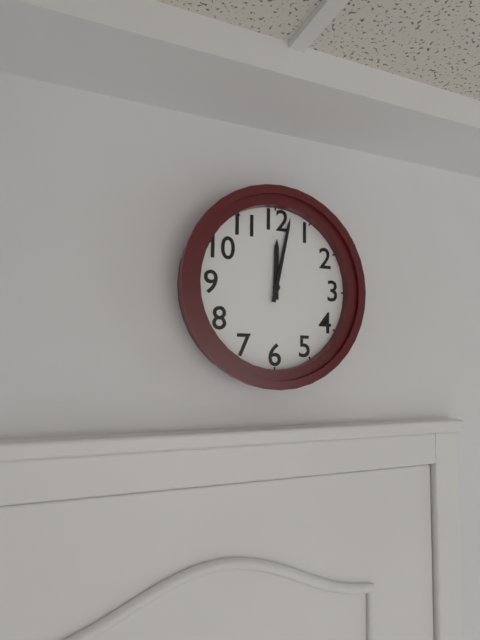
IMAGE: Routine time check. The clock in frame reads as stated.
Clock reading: 12:02
